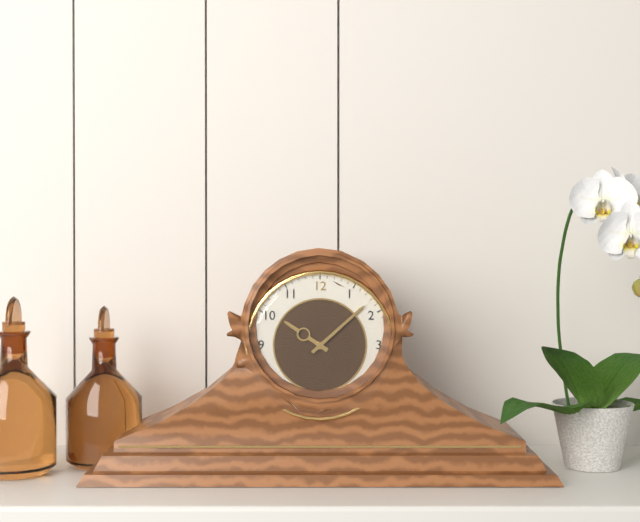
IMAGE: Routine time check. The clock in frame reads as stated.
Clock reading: 10:08
